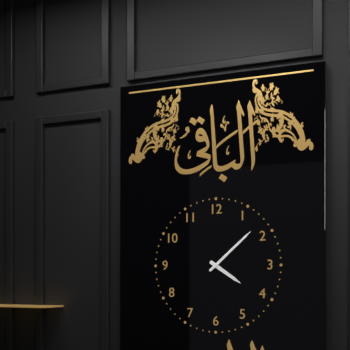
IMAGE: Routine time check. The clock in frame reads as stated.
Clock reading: 4:08
